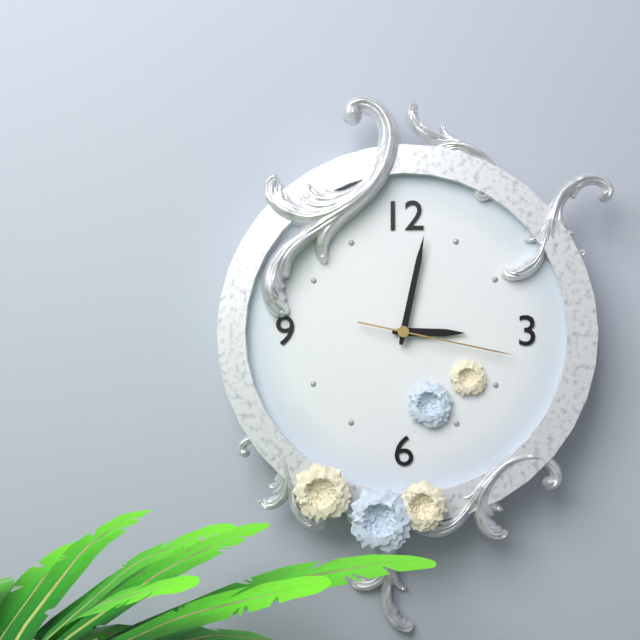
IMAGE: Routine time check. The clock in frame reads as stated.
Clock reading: 3:02:17
